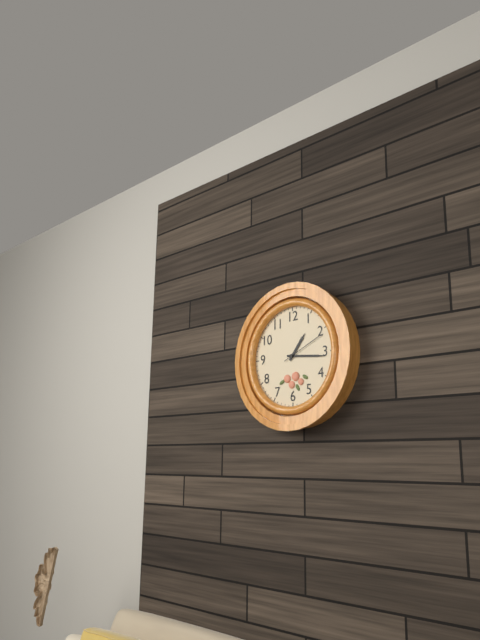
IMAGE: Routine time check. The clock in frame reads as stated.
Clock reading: 1:16
